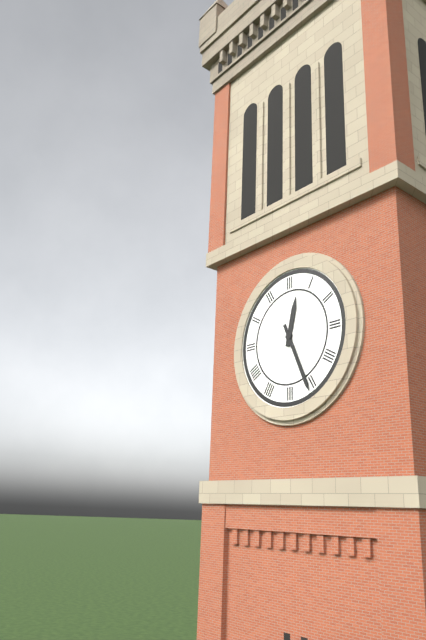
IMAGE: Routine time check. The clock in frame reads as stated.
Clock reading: 12:26
